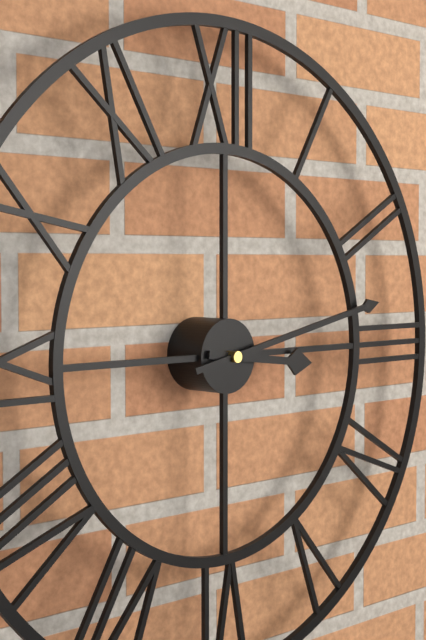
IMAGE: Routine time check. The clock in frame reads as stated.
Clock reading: 3:13
